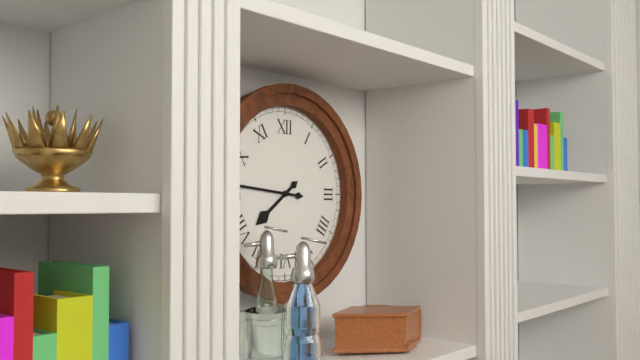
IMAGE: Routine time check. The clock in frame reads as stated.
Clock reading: 7:46
